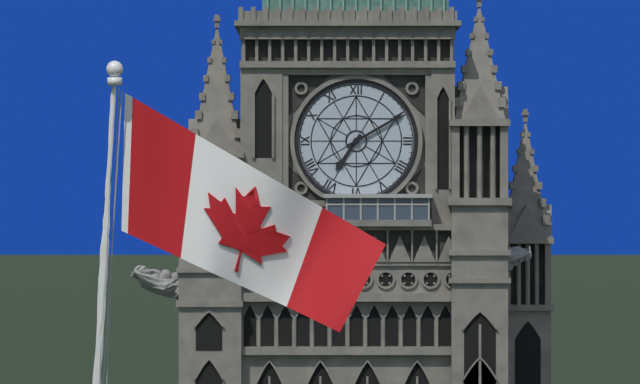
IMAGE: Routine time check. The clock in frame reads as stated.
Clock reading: 7:10
